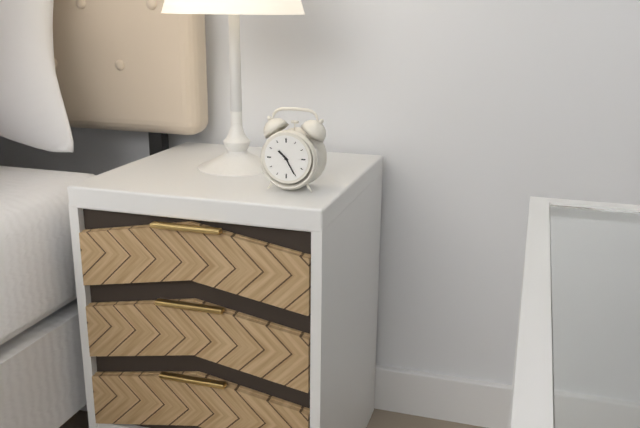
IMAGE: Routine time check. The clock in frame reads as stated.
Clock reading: 10:25
